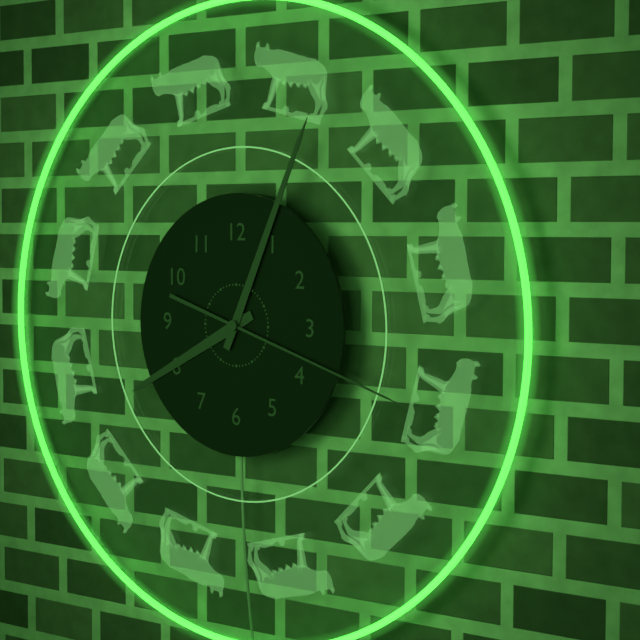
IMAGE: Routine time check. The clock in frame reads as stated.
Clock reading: 8:04:18
